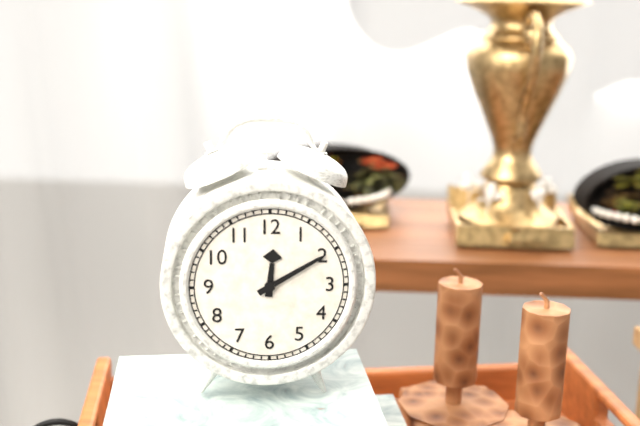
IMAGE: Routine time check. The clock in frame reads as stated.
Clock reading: 12:10
